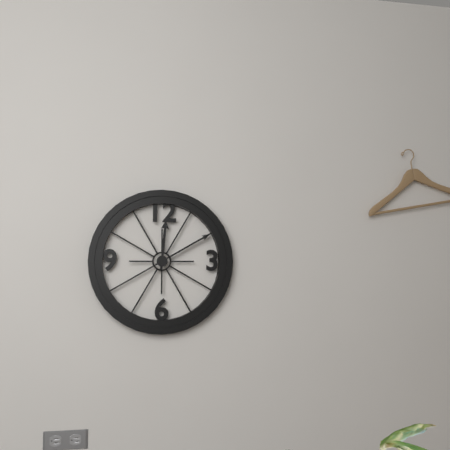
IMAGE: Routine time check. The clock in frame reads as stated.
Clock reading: 12:10
